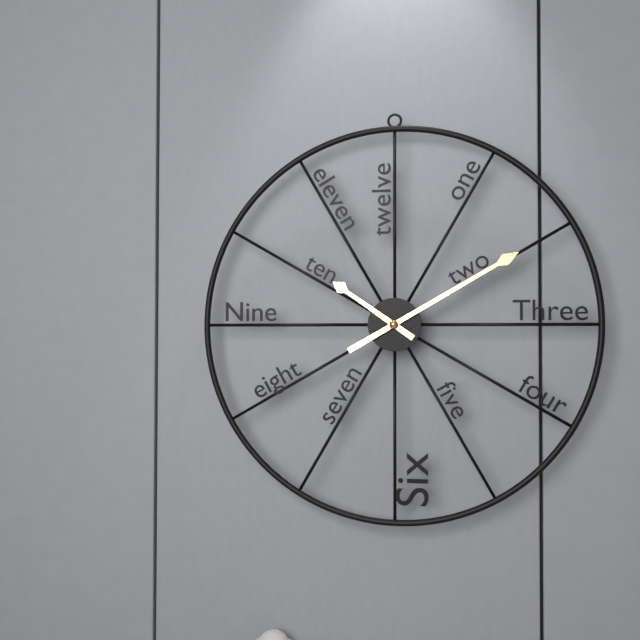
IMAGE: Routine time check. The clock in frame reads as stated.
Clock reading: 10:10
